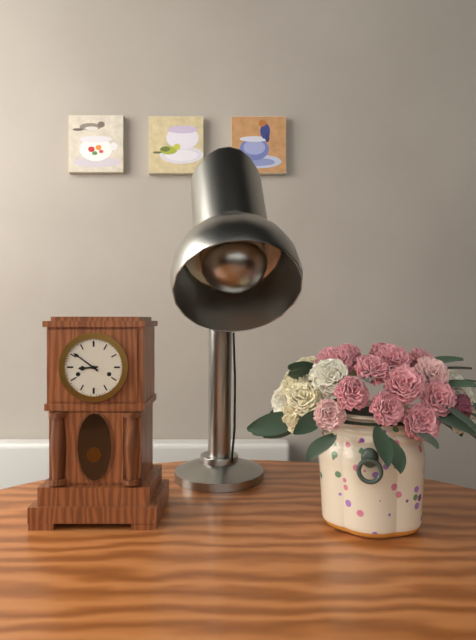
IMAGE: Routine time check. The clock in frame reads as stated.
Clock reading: 8:51
